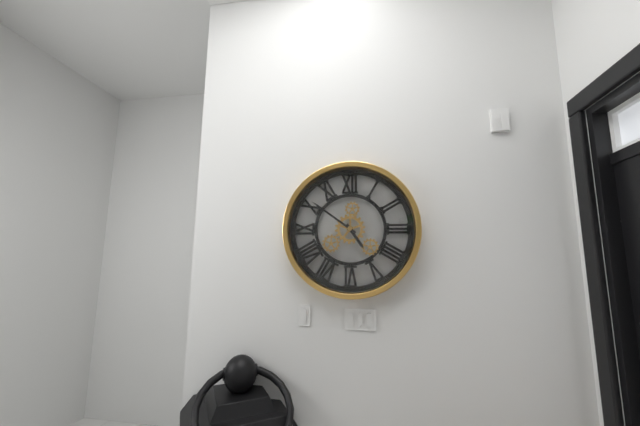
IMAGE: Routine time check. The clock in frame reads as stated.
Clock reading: 4:51
